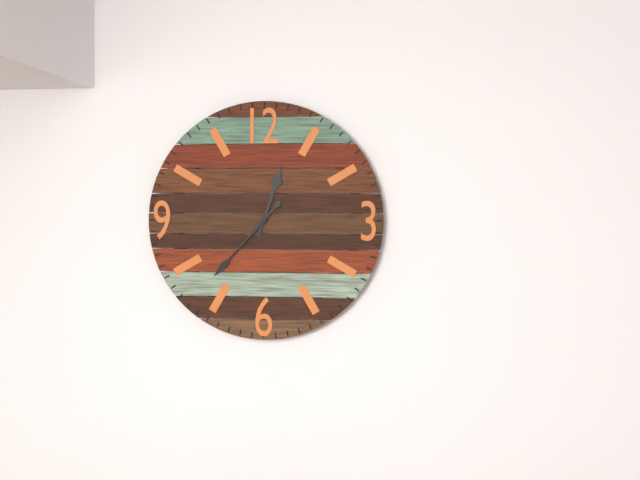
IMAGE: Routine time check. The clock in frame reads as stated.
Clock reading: 12:37
